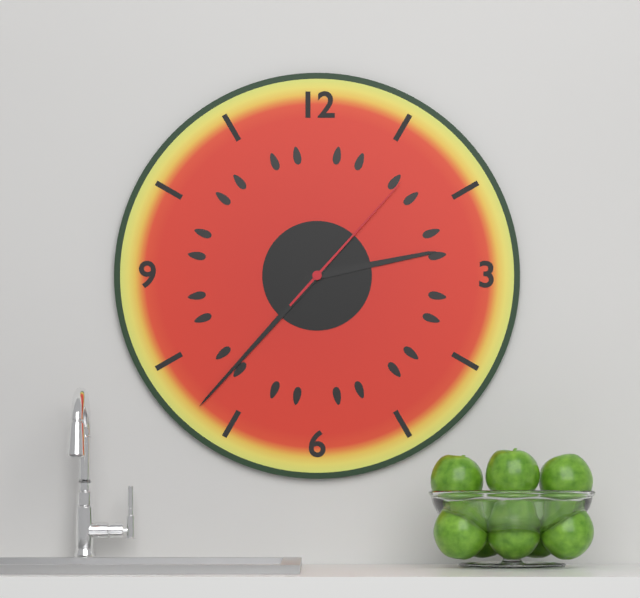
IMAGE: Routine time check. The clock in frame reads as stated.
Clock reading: 2:37:07
